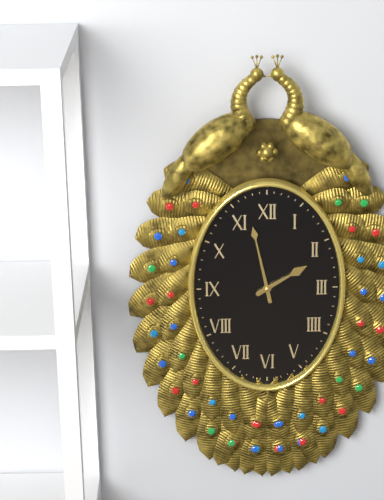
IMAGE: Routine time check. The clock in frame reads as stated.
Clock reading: 1:58
